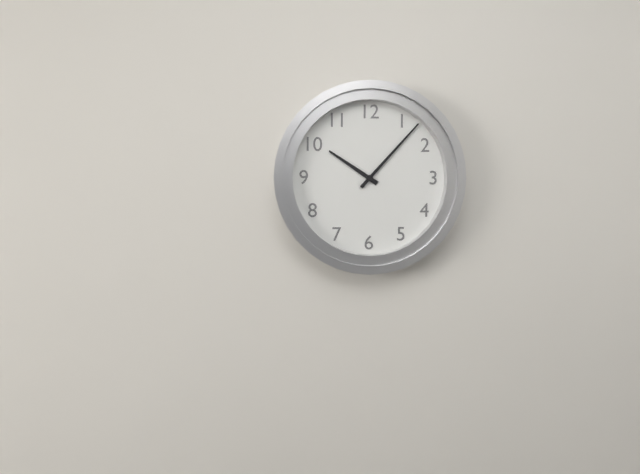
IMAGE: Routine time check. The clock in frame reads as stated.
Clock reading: 10:07
